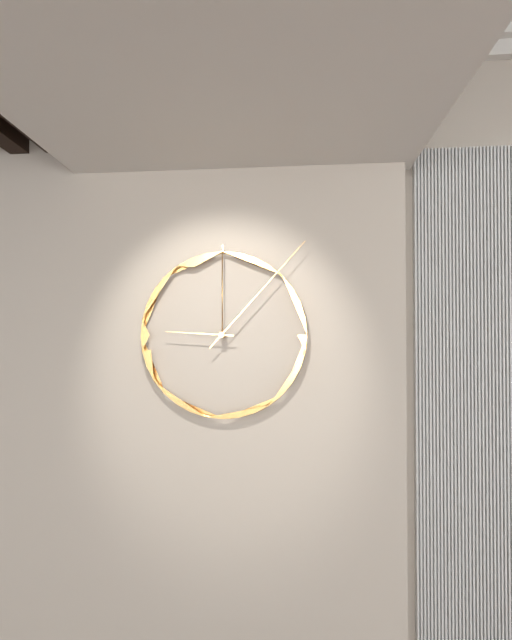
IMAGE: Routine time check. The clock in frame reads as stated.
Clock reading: 9:07
